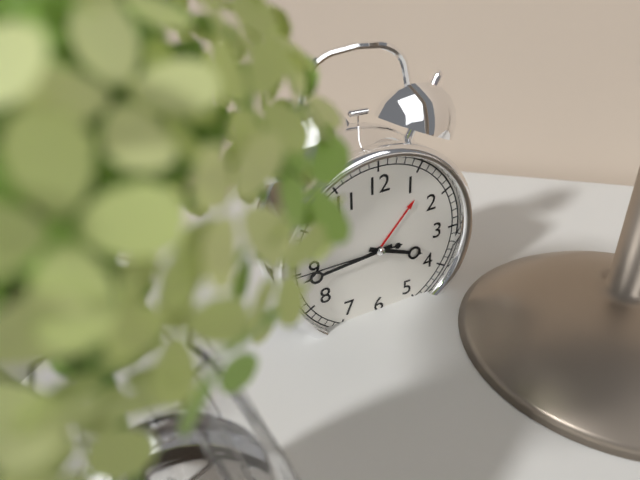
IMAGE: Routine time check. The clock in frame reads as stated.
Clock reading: 3:44:45
